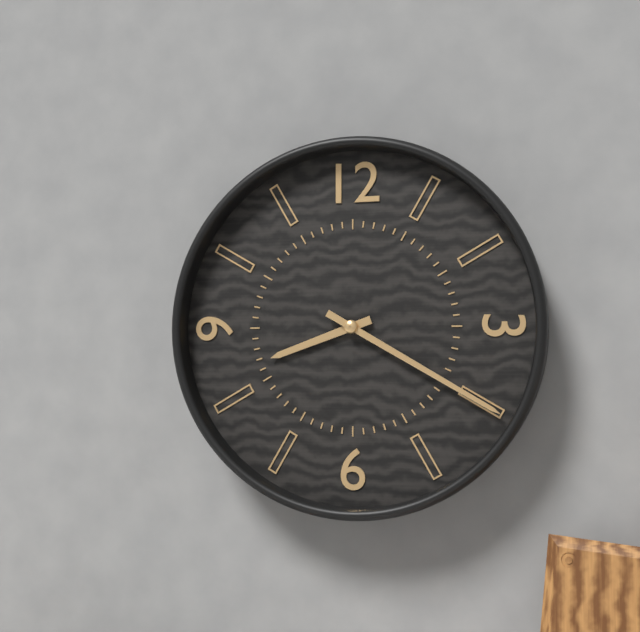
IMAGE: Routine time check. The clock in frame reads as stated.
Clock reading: 8:20
